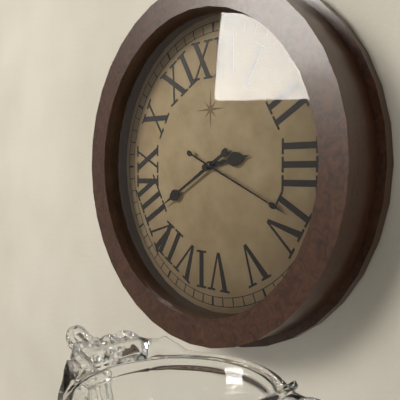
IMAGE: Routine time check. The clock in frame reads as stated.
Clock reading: 2:40:19
